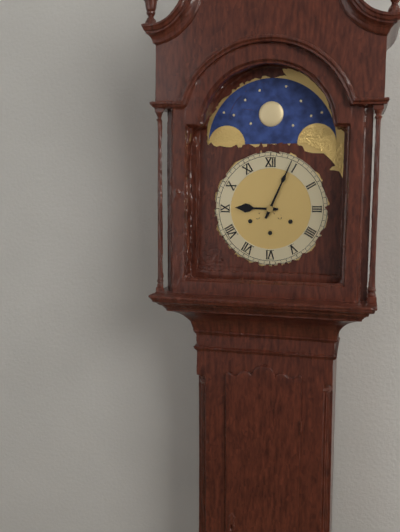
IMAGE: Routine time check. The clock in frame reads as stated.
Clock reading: 9:04
